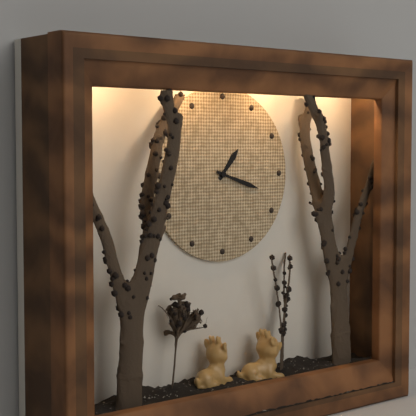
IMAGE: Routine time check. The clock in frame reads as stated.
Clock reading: 1:18
